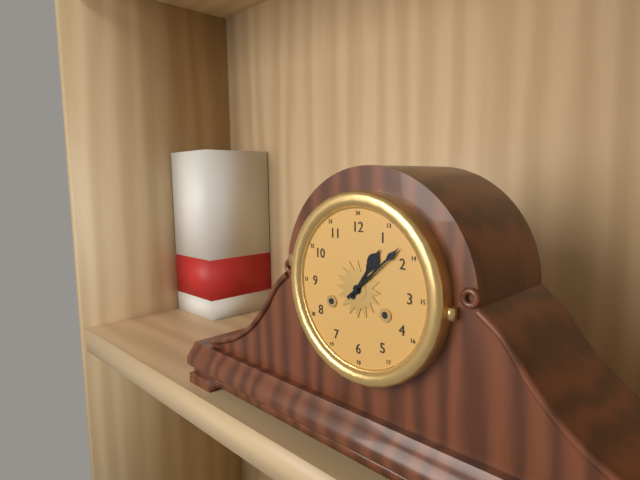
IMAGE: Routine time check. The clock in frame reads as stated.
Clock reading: 1:08
